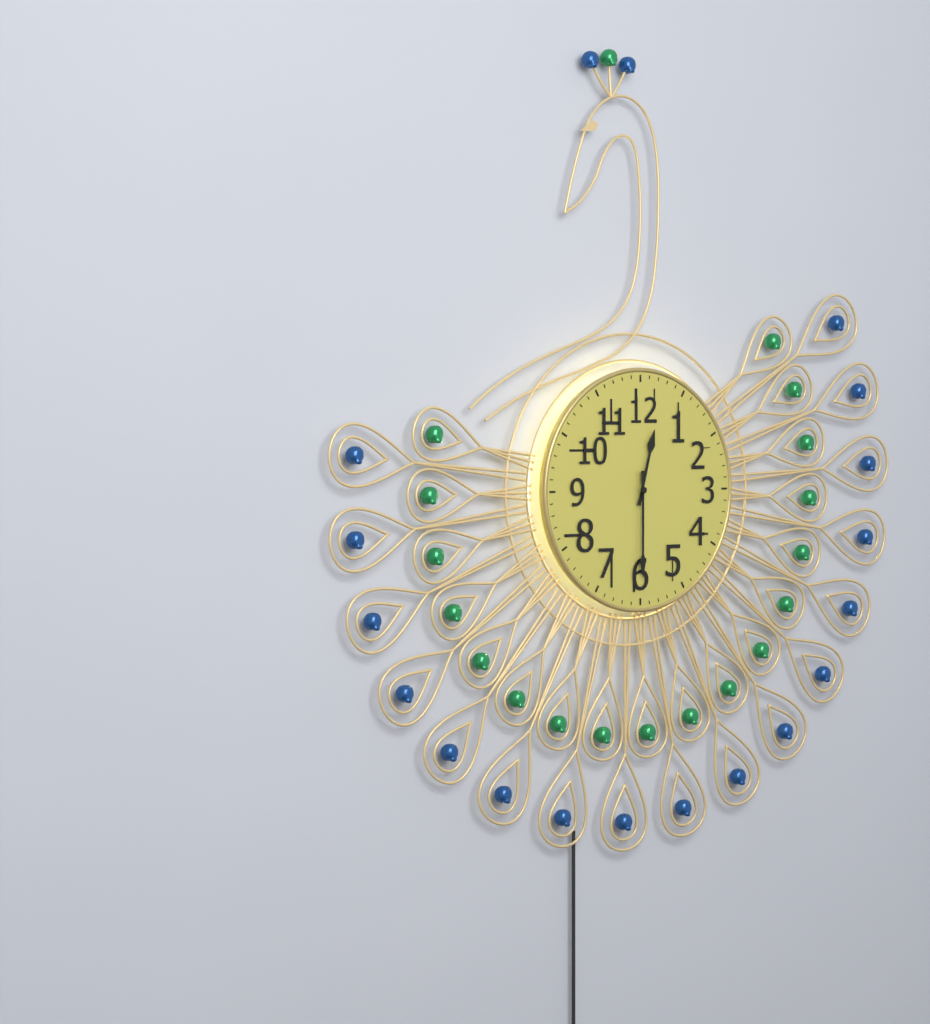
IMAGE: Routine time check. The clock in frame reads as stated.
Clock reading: 12:30
